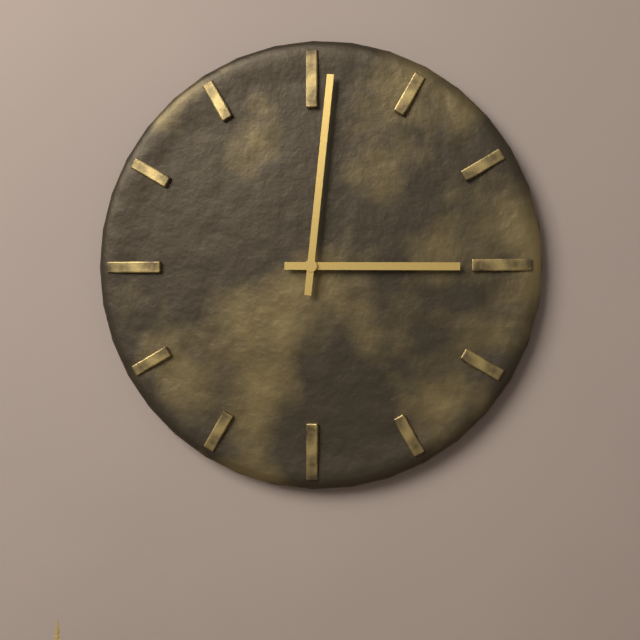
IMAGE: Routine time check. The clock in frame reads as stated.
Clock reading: 3:01
